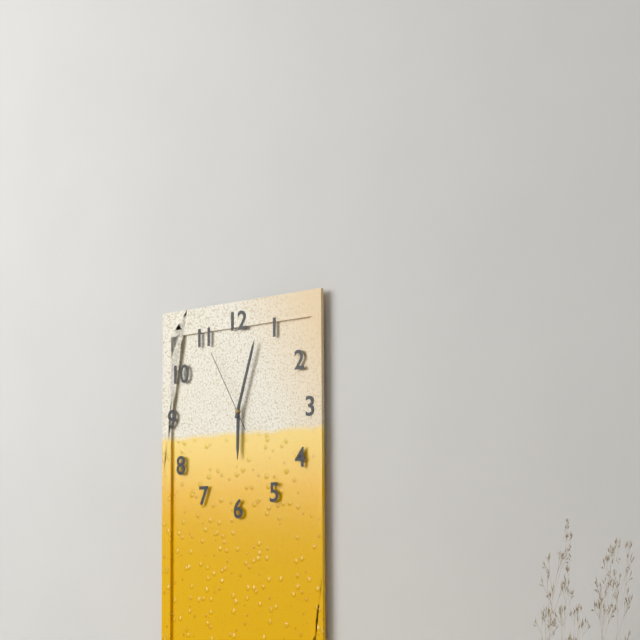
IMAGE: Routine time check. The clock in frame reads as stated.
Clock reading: 6:03:55
